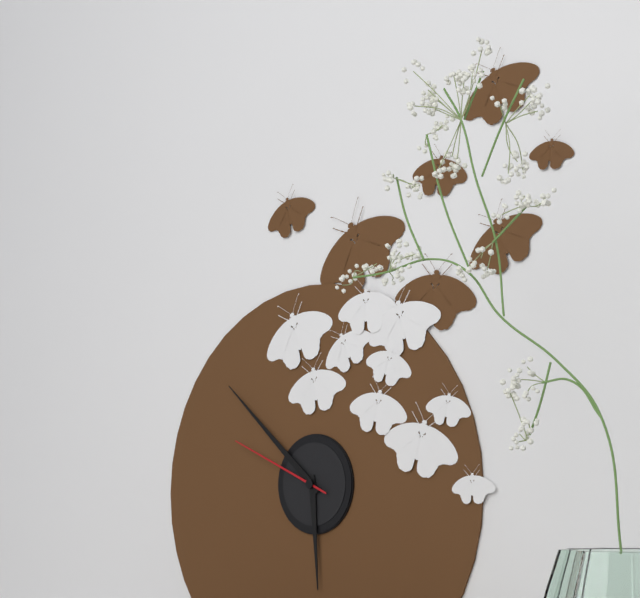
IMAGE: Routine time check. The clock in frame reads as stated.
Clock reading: 5:52:49
